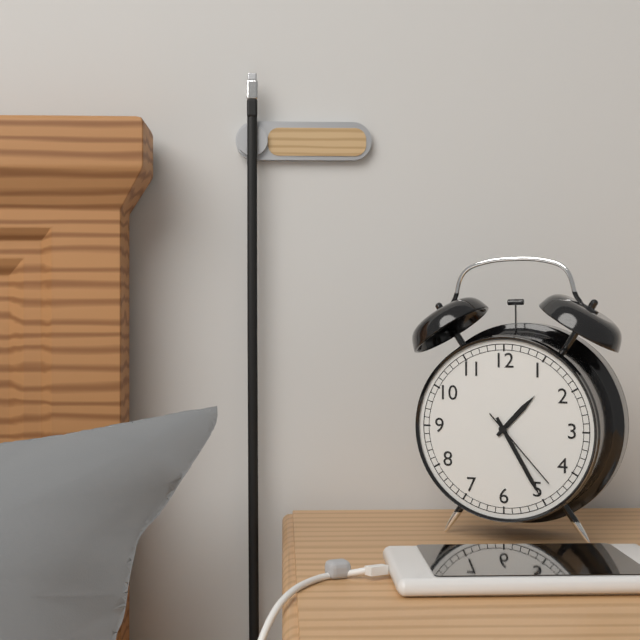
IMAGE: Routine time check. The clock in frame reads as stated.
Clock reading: 1:25:23
